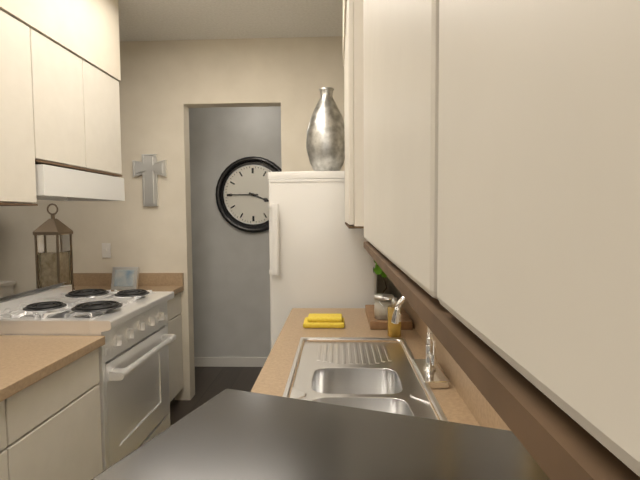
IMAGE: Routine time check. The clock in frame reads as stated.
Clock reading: 3:45
